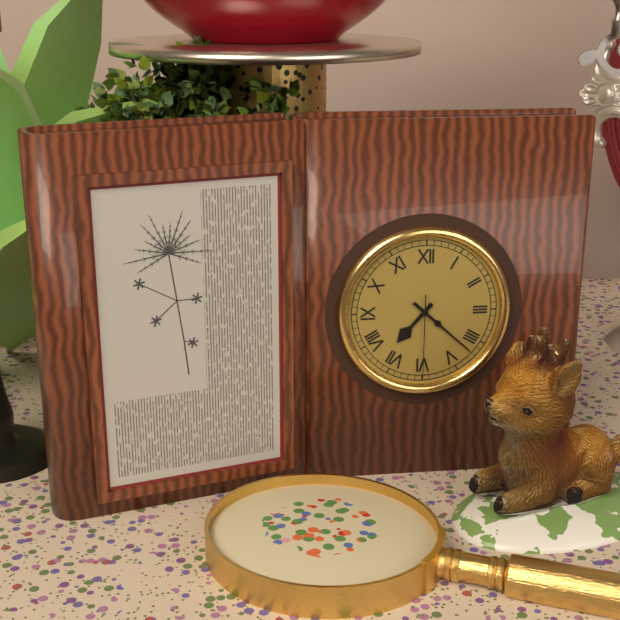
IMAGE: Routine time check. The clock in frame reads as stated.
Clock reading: 7:22:30
